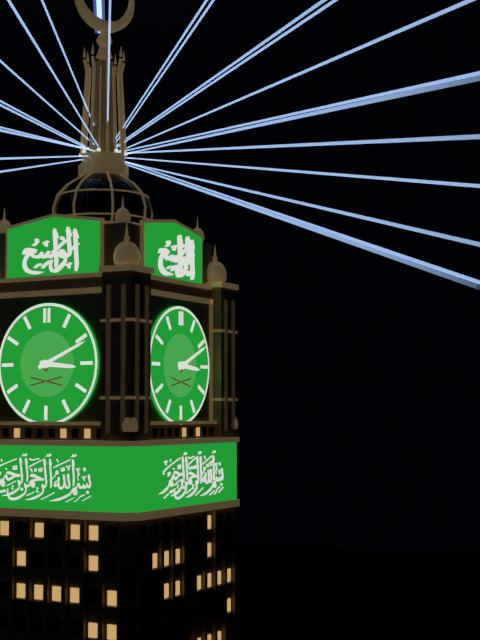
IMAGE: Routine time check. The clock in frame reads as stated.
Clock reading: 3:11
